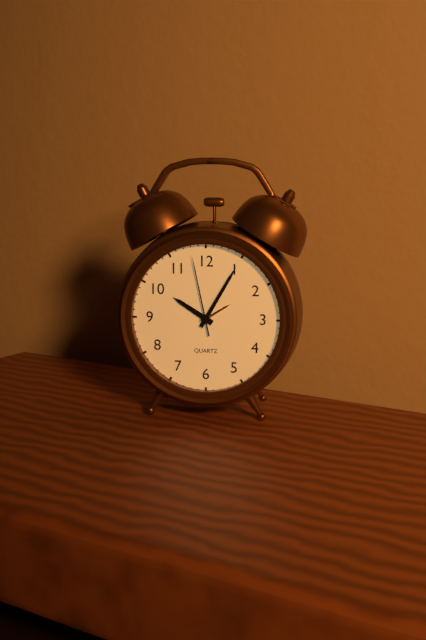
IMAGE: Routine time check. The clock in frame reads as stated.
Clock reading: 10:05:58
